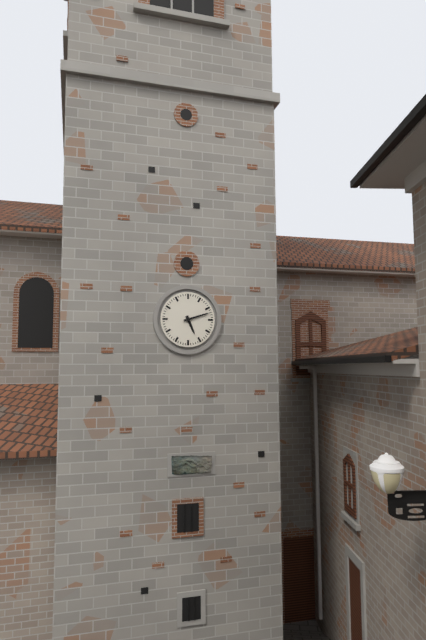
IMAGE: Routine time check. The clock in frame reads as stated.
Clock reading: 5:12
